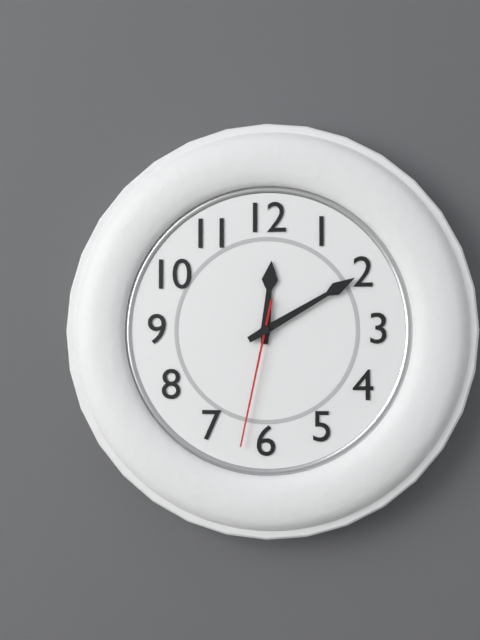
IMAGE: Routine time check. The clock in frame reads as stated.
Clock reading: 12:10:32
